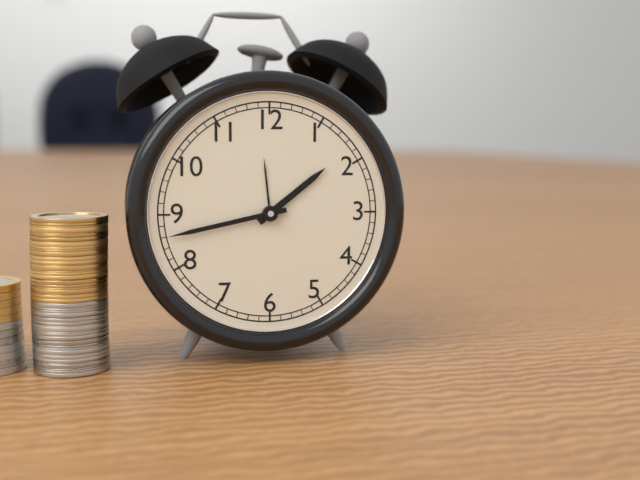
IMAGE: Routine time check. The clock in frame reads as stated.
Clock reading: 1:43
